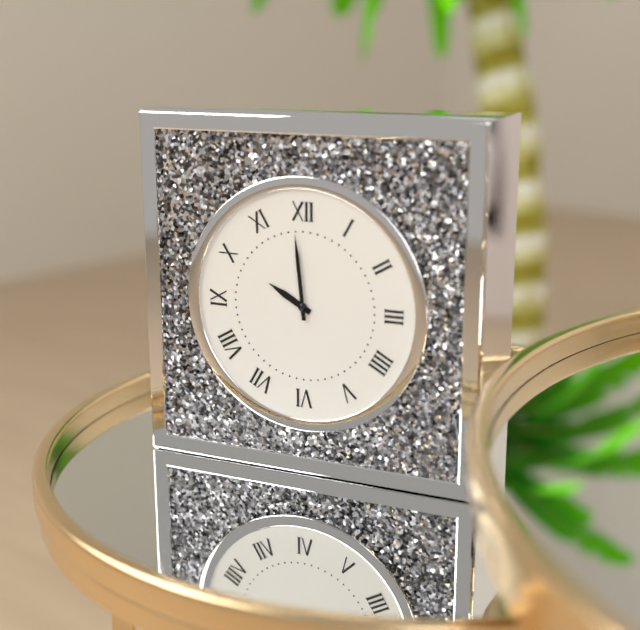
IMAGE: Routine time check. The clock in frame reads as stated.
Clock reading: 9:59
